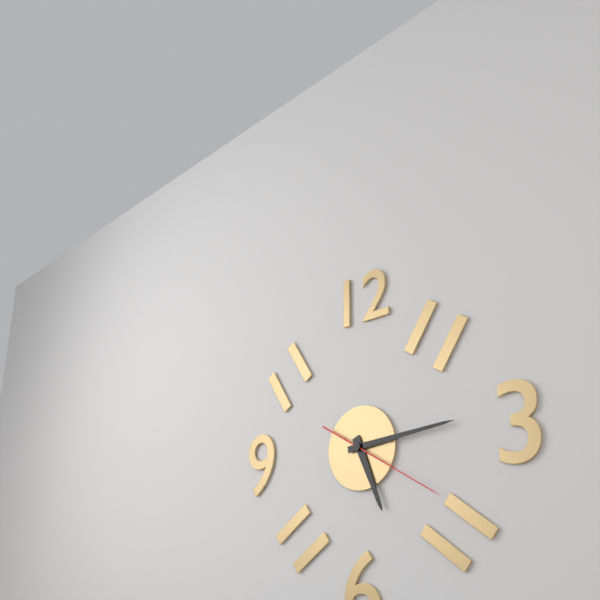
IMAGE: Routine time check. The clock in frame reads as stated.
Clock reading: 5:14:20
